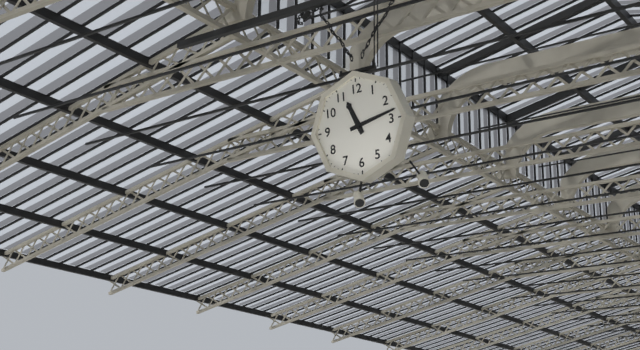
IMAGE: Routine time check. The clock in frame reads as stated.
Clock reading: 11:13
